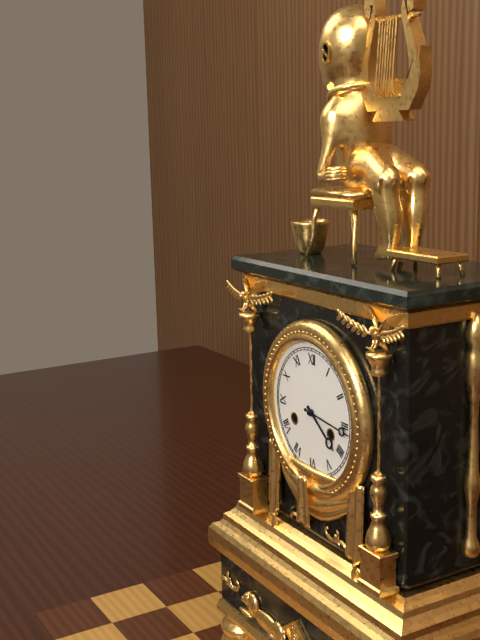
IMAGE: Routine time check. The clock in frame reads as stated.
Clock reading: 4:16
